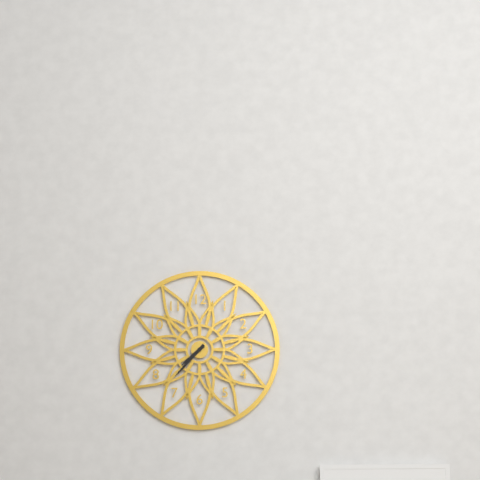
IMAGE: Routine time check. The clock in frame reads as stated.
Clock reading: 7:37
